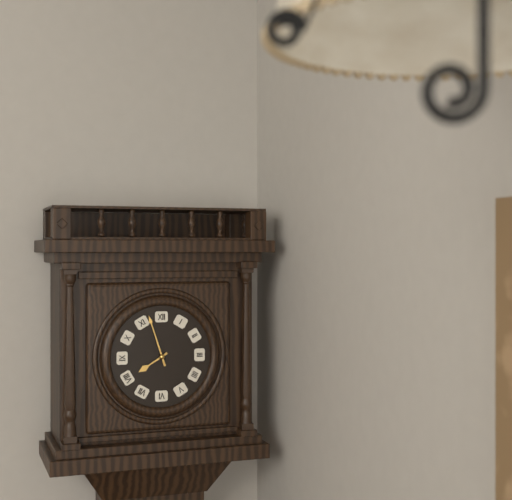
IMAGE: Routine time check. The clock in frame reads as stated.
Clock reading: 7:57
